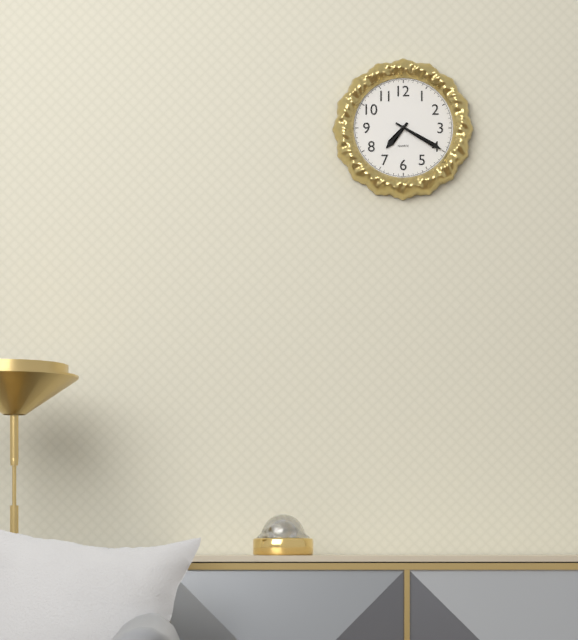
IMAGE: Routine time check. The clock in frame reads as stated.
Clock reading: 7:20
